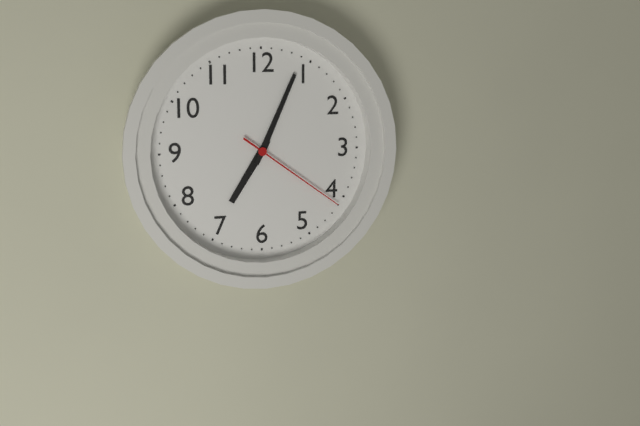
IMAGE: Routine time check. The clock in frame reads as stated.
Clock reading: 7:04:21
